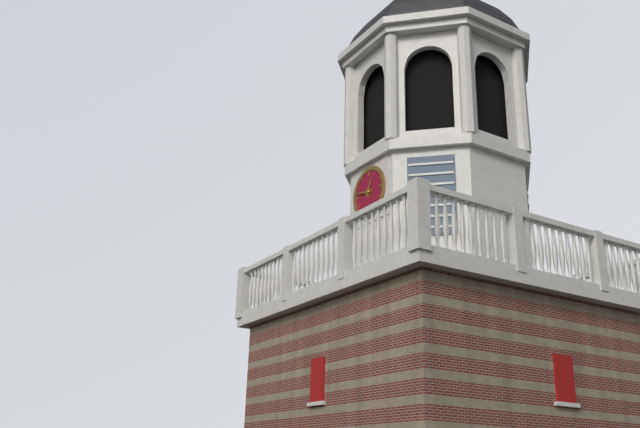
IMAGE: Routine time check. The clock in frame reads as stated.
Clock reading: 12:47
